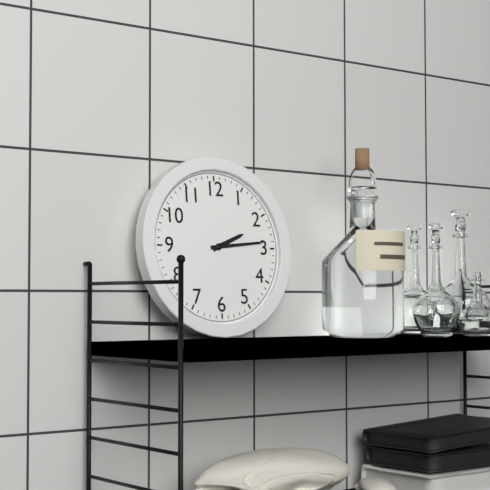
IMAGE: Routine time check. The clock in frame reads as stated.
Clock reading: 2:14
